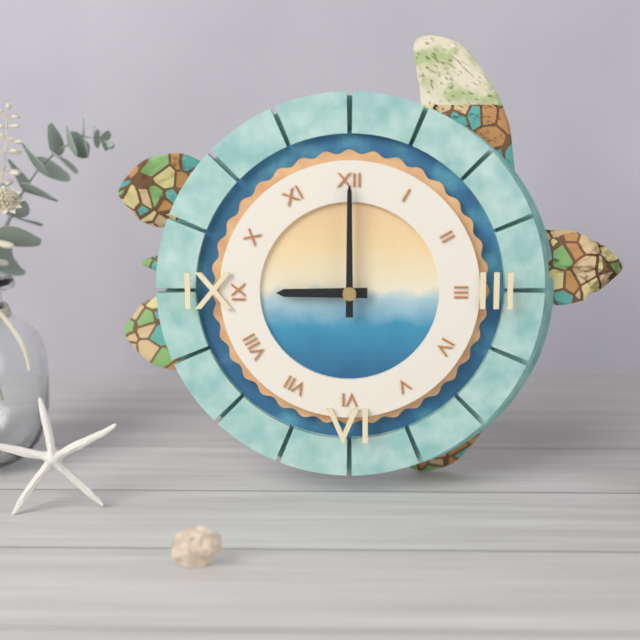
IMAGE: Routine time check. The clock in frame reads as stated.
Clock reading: 9:00
